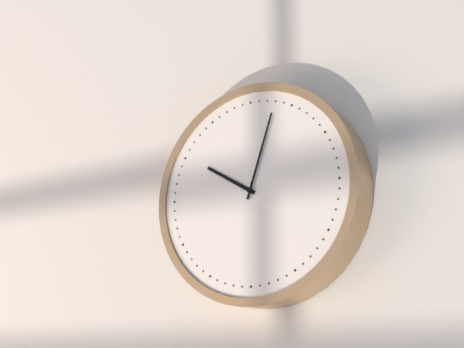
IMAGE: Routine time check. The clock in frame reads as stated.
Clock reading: 10:03
